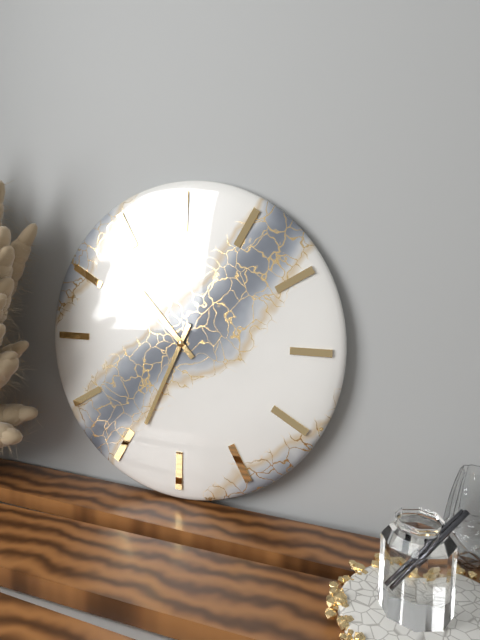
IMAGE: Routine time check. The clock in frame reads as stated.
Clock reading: 10:34
